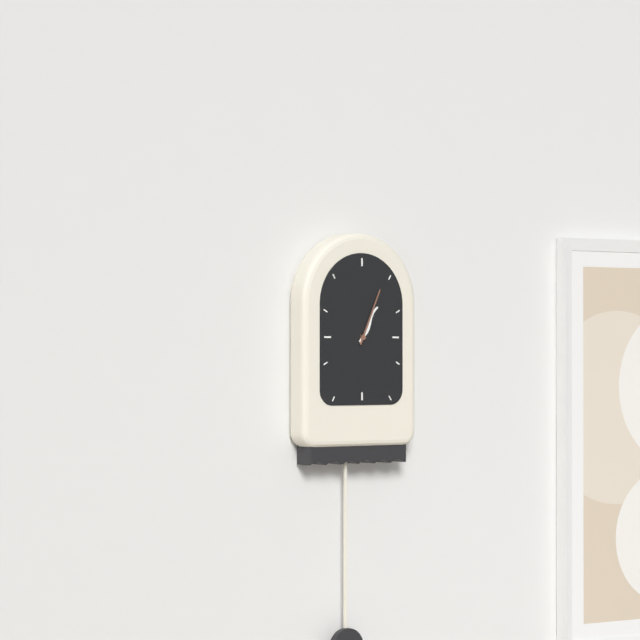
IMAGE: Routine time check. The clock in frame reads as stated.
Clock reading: 1:04
